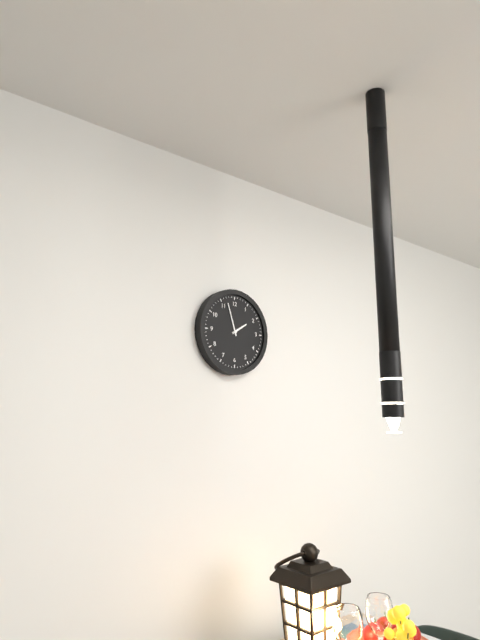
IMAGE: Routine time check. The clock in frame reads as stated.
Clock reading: 1:57
